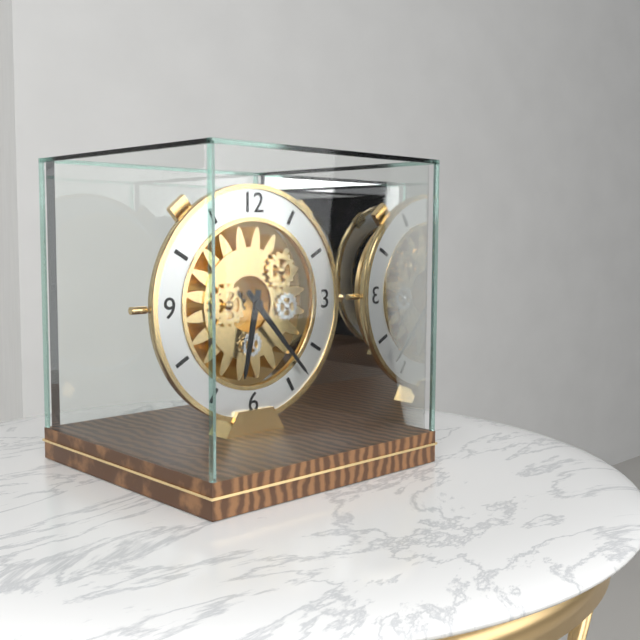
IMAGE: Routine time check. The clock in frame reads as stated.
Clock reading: 6:23
